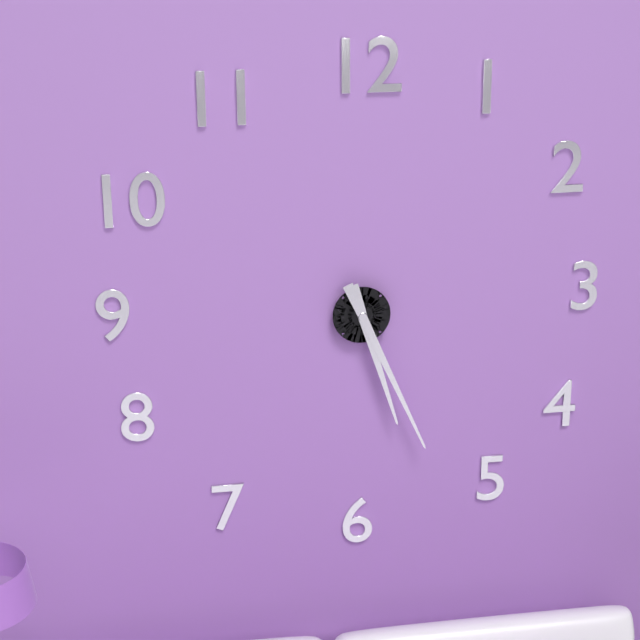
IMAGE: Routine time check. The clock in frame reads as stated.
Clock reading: 5:26
